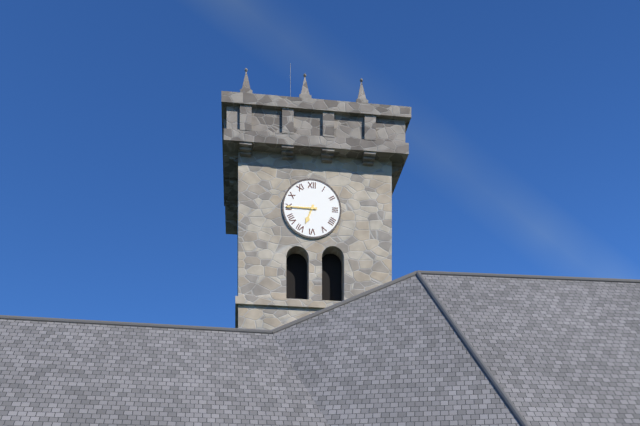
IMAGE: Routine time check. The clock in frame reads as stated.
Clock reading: 6:45
